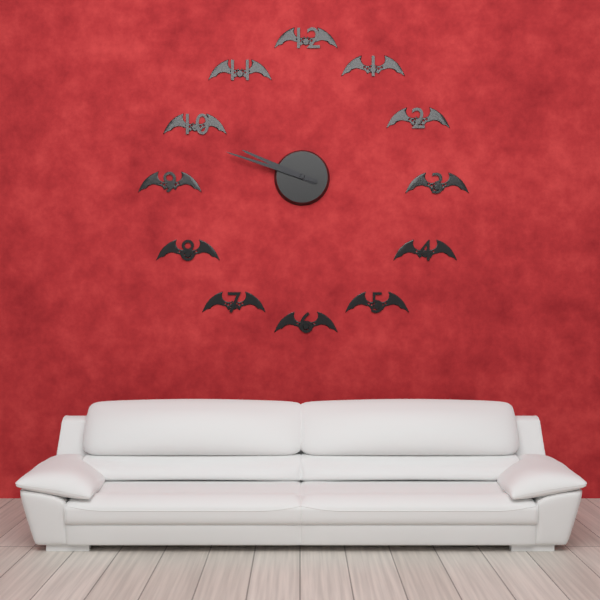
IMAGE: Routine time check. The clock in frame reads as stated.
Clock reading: 9:48
